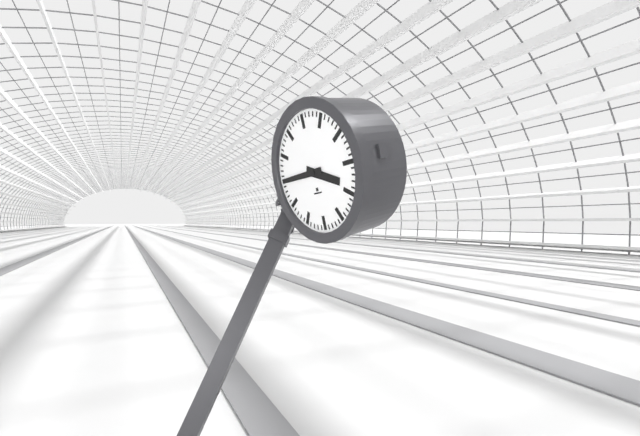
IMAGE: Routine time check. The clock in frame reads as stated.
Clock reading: 3:45
